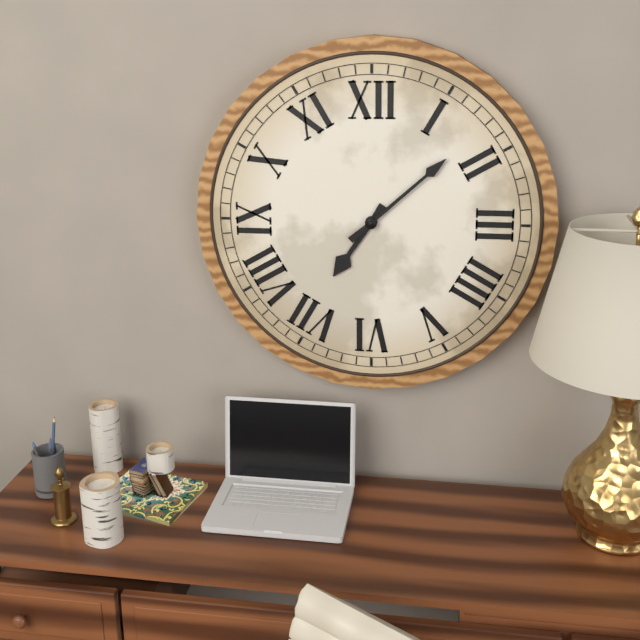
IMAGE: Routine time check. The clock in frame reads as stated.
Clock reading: 7:08
